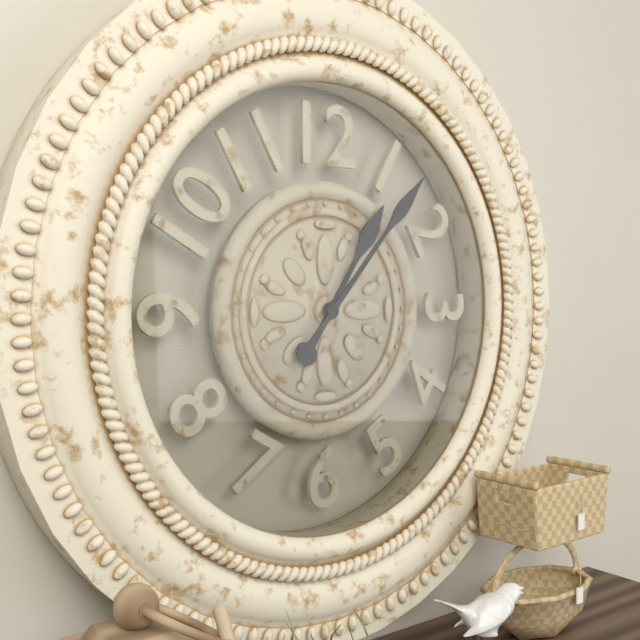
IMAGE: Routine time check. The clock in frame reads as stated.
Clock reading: 1:07
